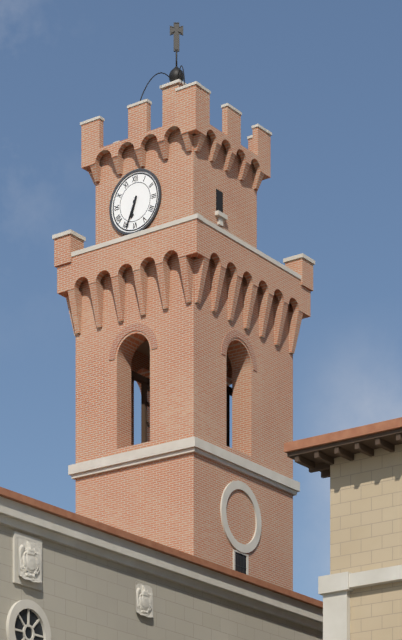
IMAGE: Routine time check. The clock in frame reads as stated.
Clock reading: 6:34
